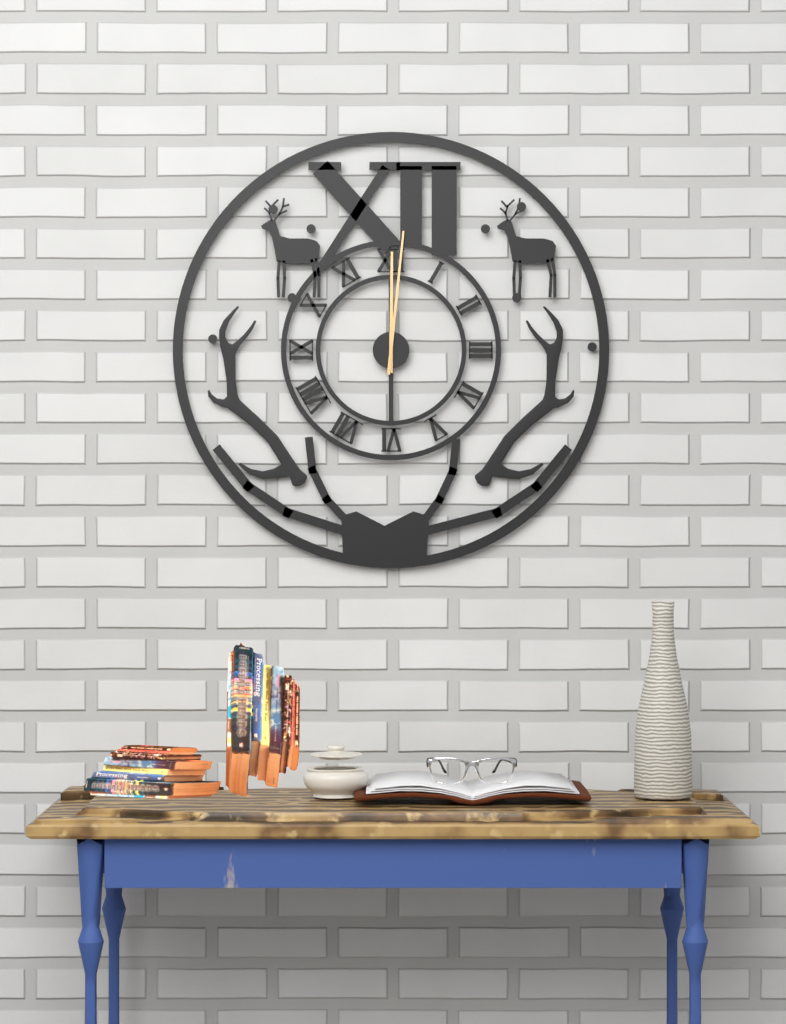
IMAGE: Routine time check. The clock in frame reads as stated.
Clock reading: 12:01
